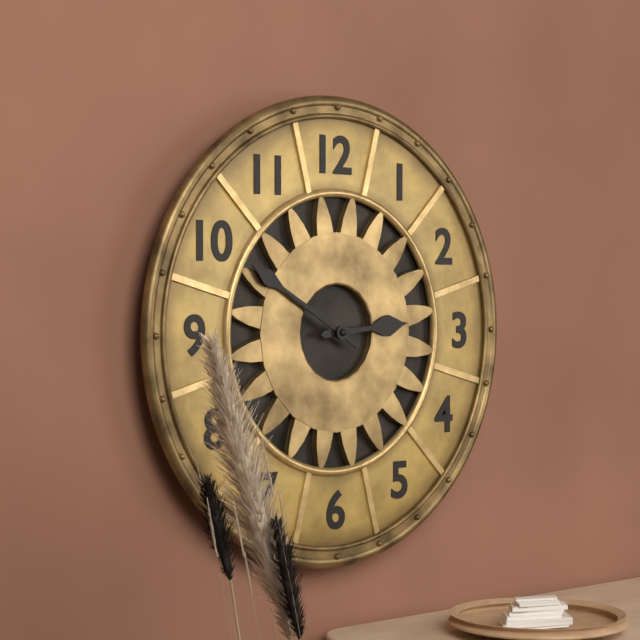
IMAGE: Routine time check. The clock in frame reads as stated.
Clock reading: 2:50
